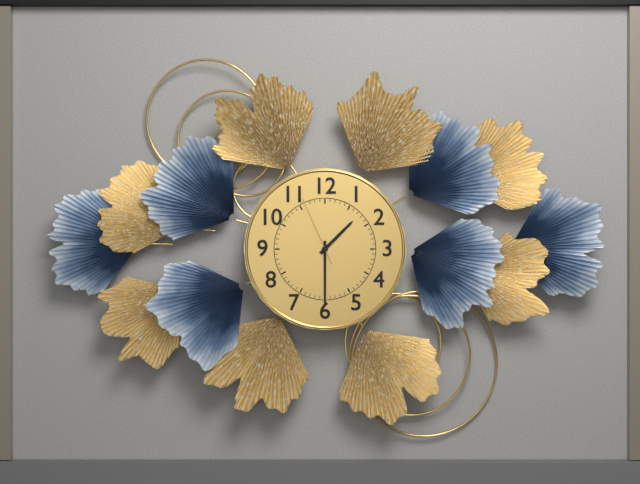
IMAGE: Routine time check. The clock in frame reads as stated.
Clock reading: 1:30:56
